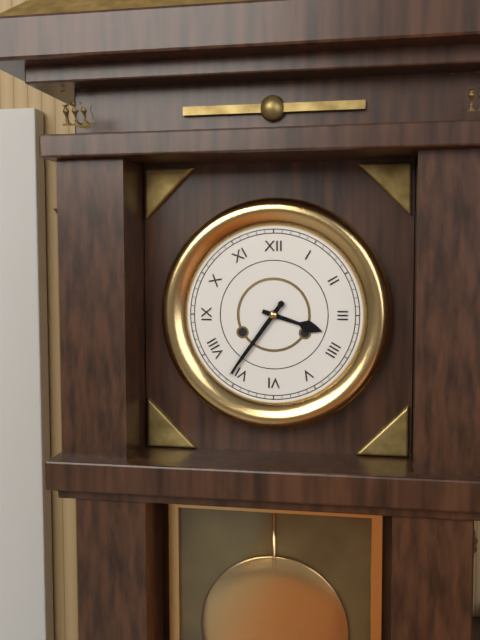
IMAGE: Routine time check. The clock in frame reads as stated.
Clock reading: 3:36
